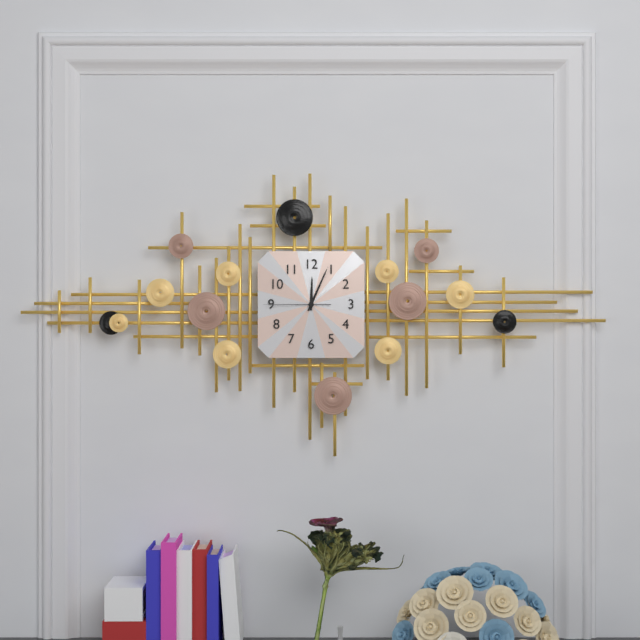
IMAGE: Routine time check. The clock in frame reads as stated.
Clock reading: 12:04:45
